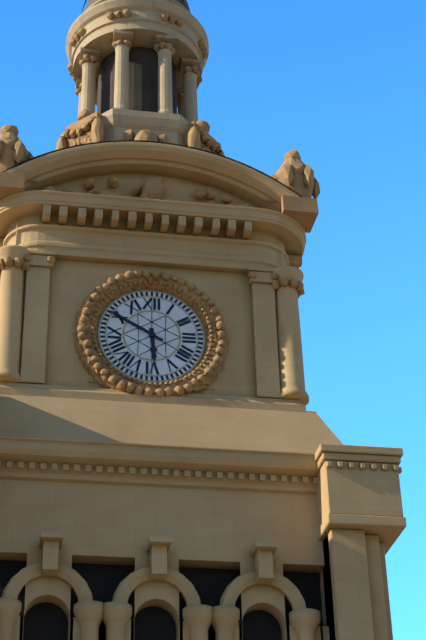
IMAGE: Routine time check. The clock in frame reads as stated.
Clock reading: 5:50
